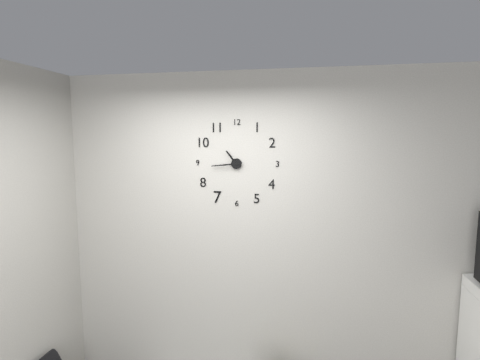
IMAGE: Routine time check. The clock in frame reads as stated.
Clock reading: 10:44
